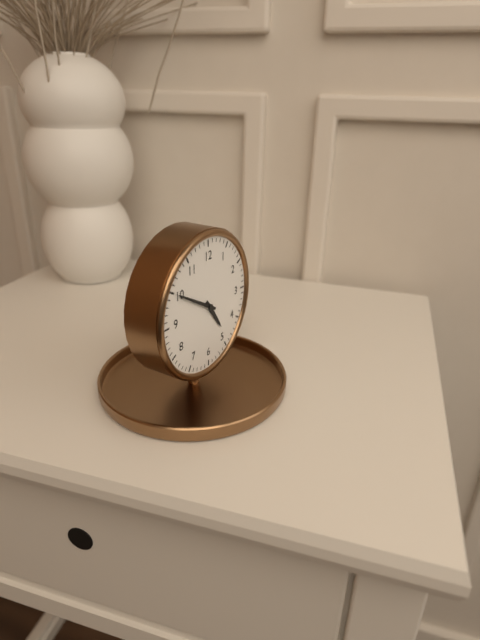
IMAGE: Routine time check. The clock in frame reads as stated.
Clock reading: 4:50
